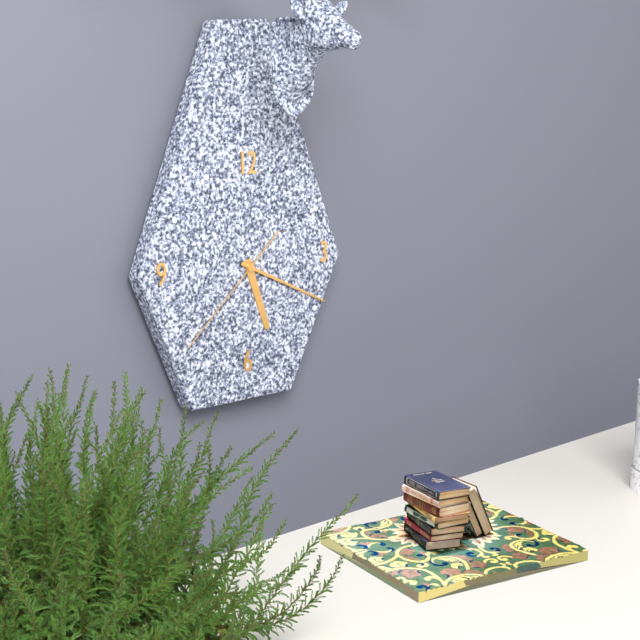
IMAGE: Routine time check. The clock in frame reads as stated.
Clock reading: 5:19:38
